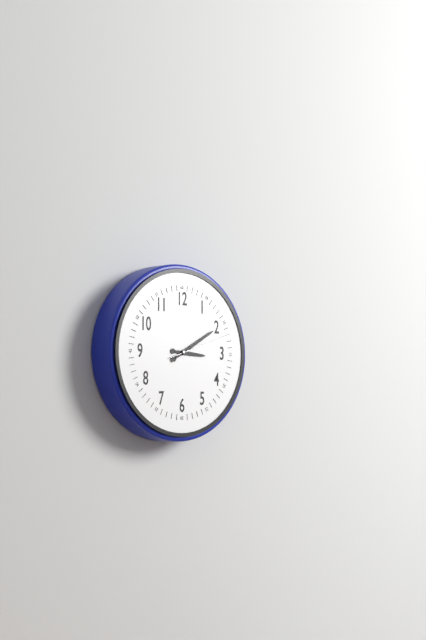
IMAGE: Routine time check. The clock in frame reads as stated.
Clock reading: 3:10:12
